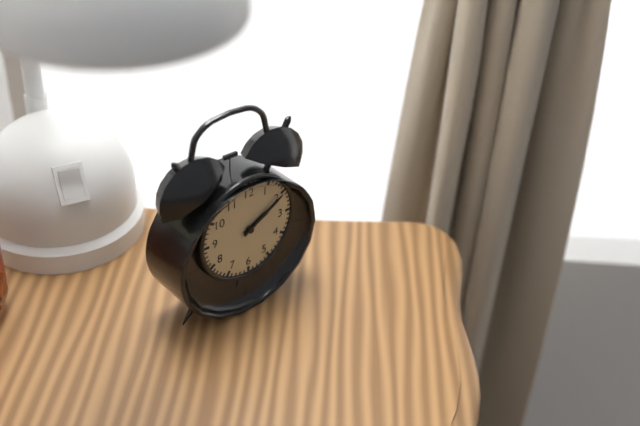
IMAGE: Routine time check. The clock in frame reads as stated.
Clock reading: 2:10
